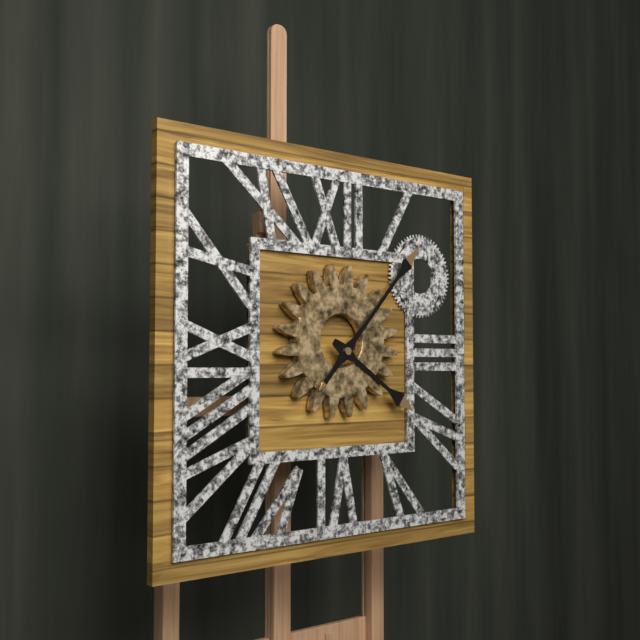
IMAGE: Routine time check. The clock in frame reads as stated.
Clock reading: 4:07
